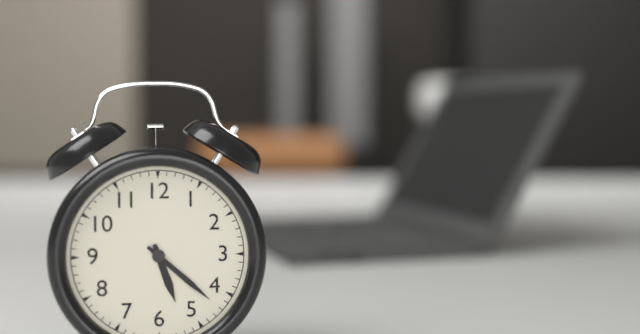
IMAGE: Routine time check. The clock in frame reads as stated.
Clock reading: 5:22
